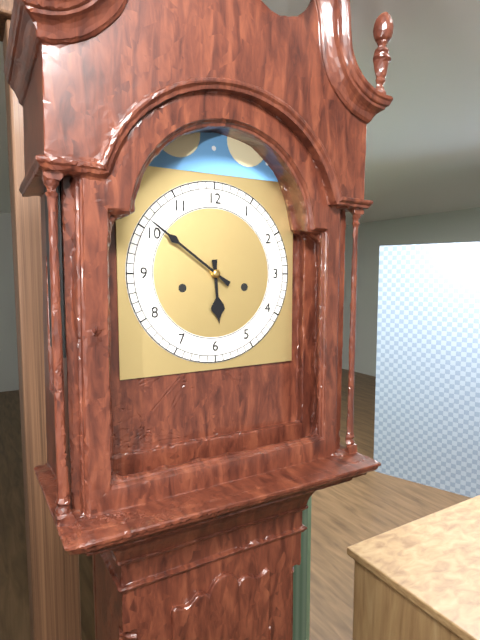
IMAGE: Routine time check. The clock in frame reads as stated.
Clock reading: 5:51
